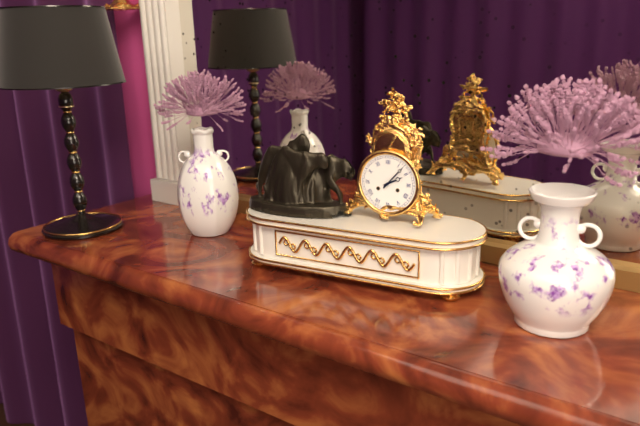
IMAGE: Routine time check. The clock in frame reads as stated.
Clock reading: 2:07
